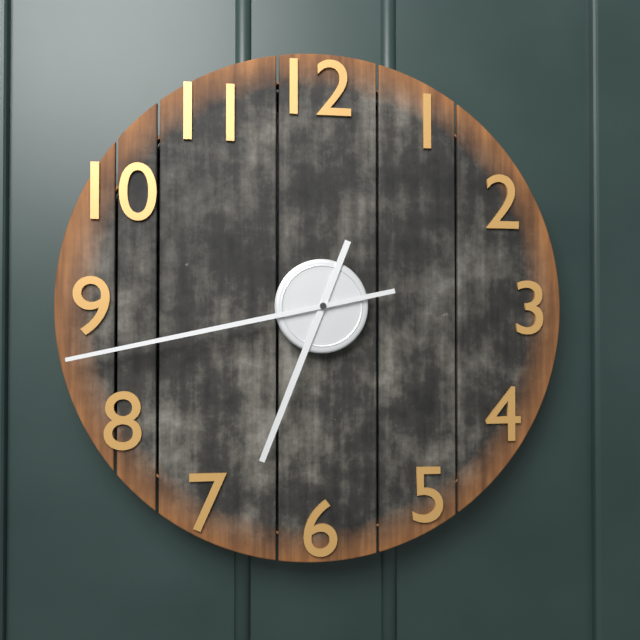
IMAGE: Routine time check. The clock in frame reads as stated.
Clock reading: 6:43
